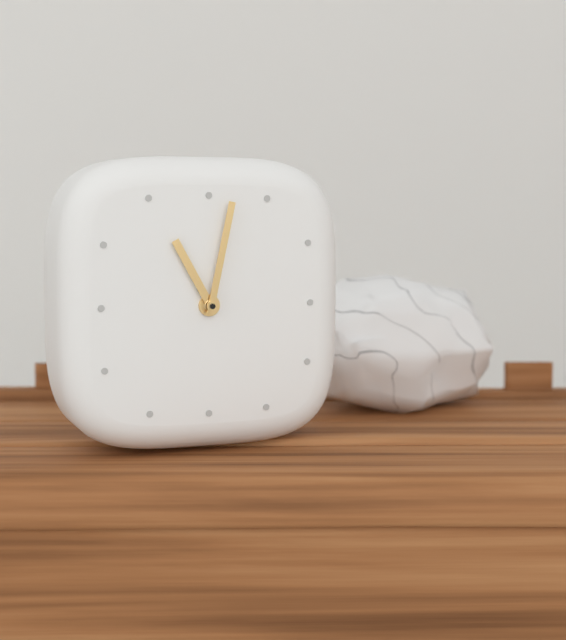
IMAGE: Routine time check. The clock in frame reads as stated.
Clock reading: 11:02
